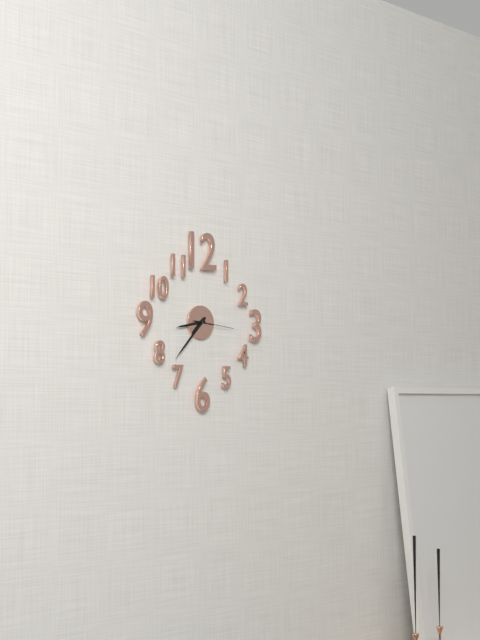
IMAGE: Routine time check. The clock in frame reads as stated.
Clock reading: 8:37
